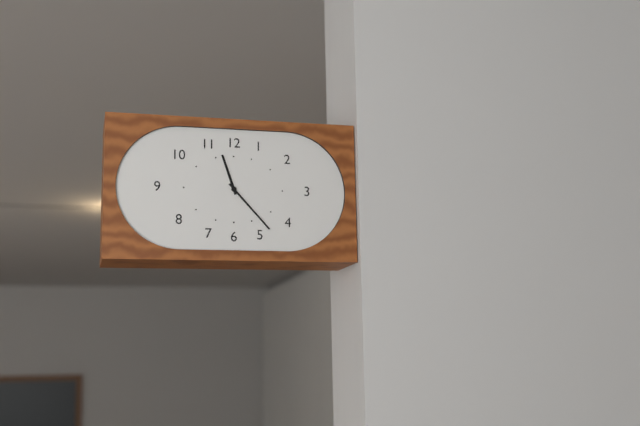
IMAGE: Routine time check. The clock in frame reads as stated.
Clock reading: 11:23
